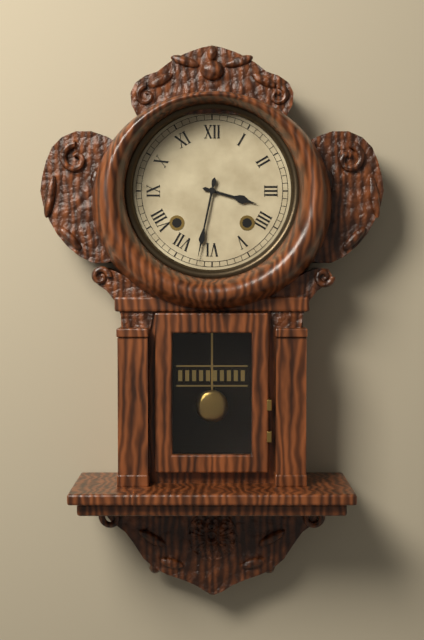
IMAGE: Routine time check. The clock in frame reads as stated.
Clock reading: 3:32
